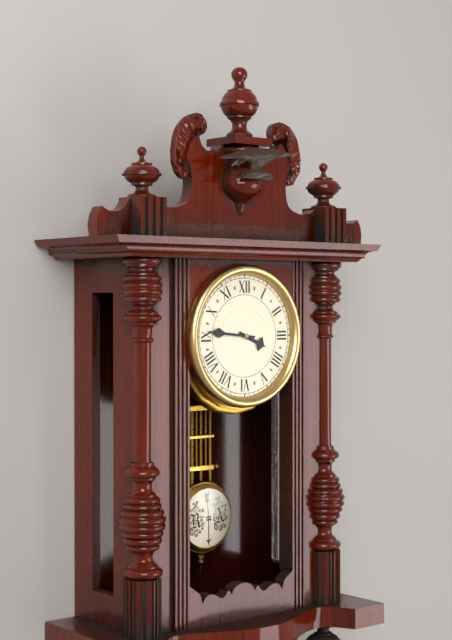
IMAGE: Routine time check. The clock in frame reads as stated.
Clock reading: 3:46
